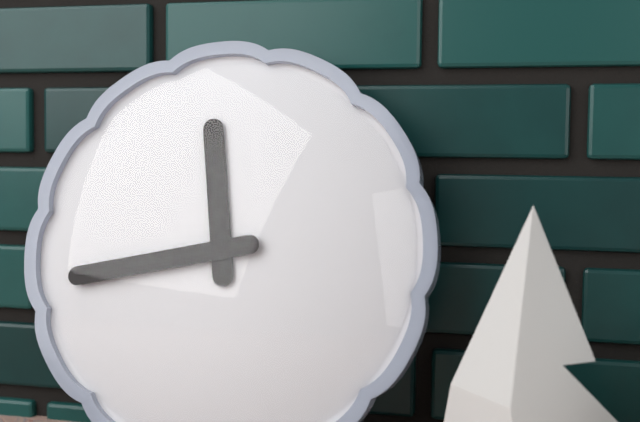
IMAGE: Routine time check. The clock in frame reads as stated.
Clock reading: 11:43
